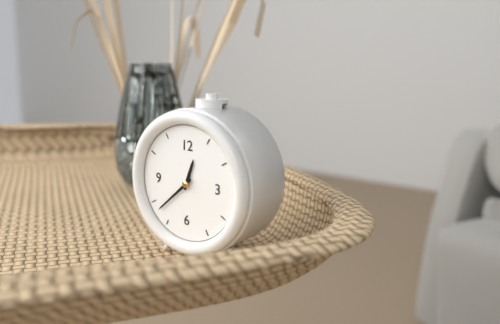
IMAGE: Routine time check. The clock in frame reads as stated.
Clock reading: 12:38
